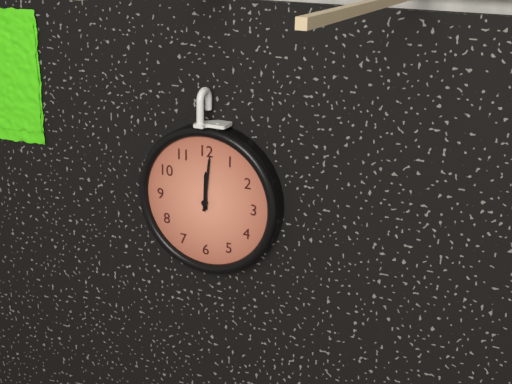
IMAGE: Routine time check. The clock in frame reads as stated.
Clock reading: 12:01
